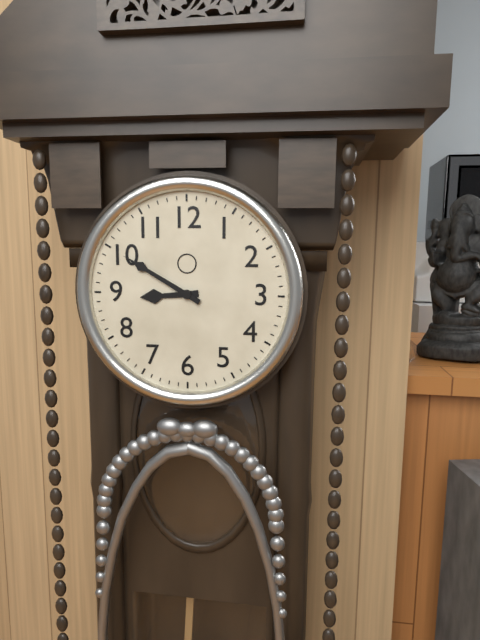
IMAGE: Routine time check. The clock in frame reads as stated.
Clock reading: 8:50
